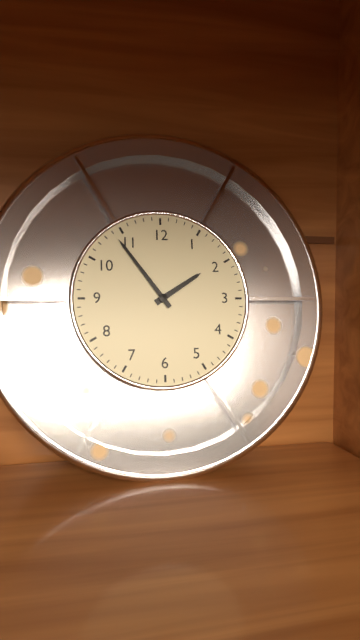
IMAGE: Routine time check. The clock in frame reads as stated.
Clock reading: 1:54
